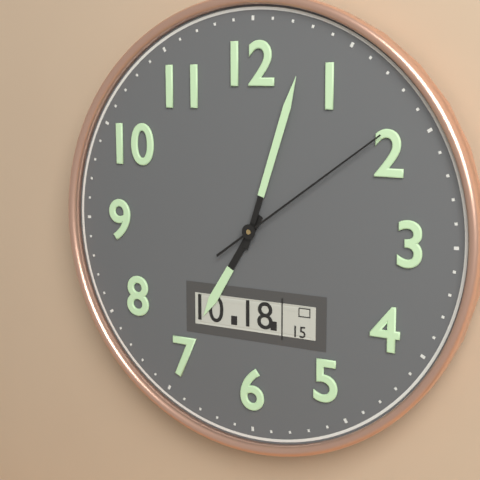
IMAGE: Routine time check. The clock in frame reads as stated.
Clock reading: 7:03:09
